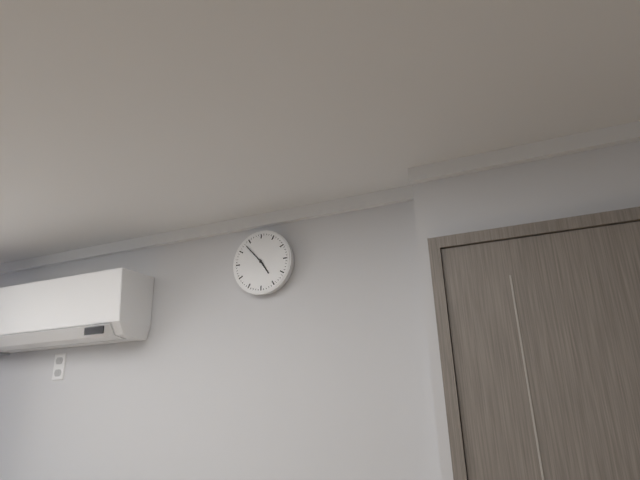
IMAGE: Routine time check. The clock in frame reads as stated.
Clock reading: 4:53
